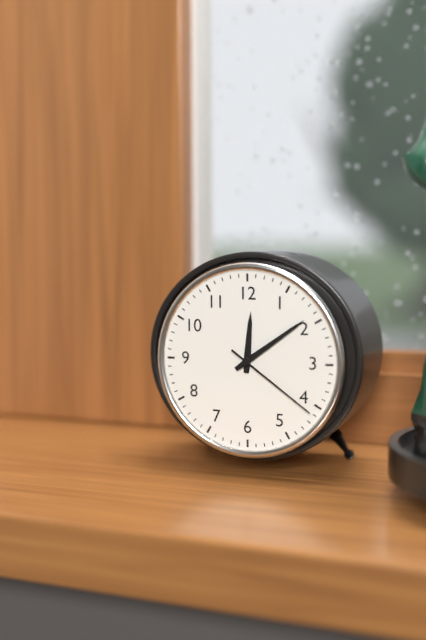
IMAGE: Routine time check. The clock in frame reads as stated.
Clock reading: 12:09:21
